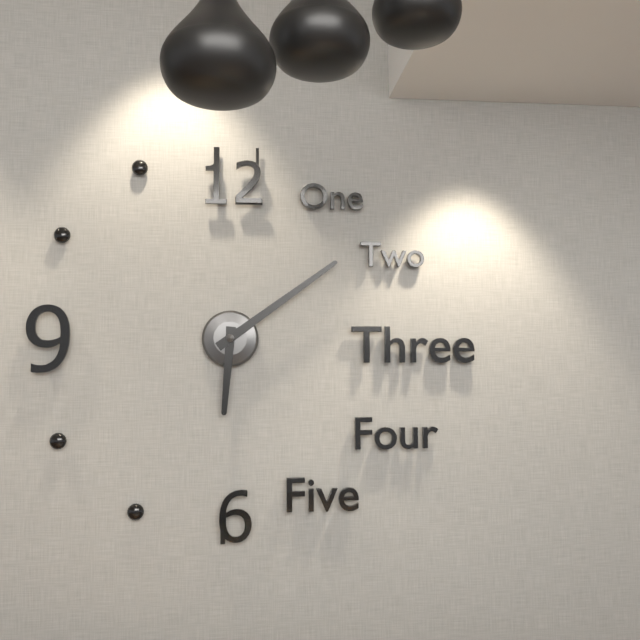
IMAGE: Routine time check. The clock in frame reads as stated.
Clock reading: 6:09
